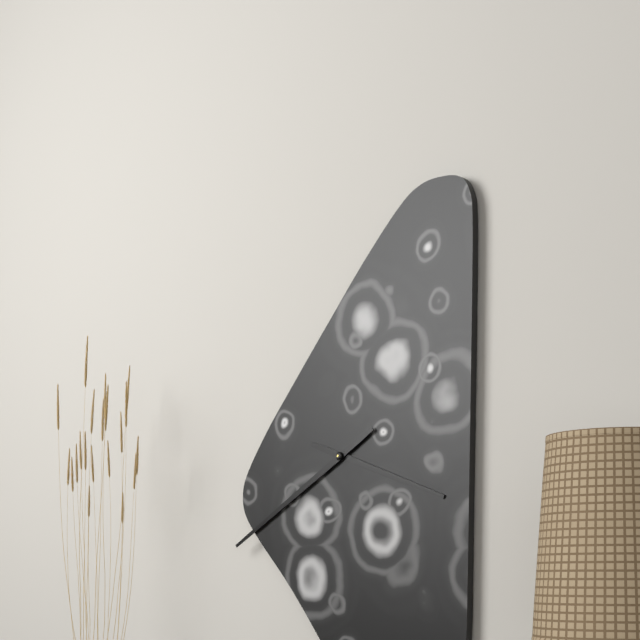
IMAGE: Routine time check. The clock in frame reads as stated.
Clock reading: 3:40
